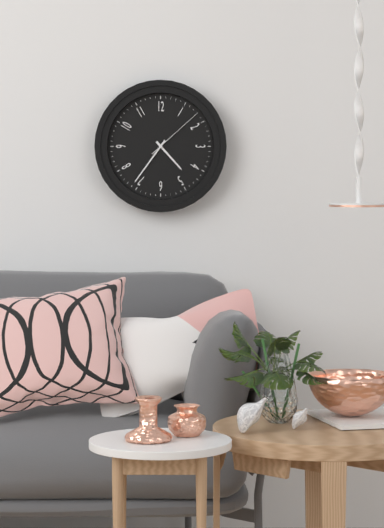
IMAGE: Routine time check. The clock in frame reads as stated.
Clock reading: 4:36:08
